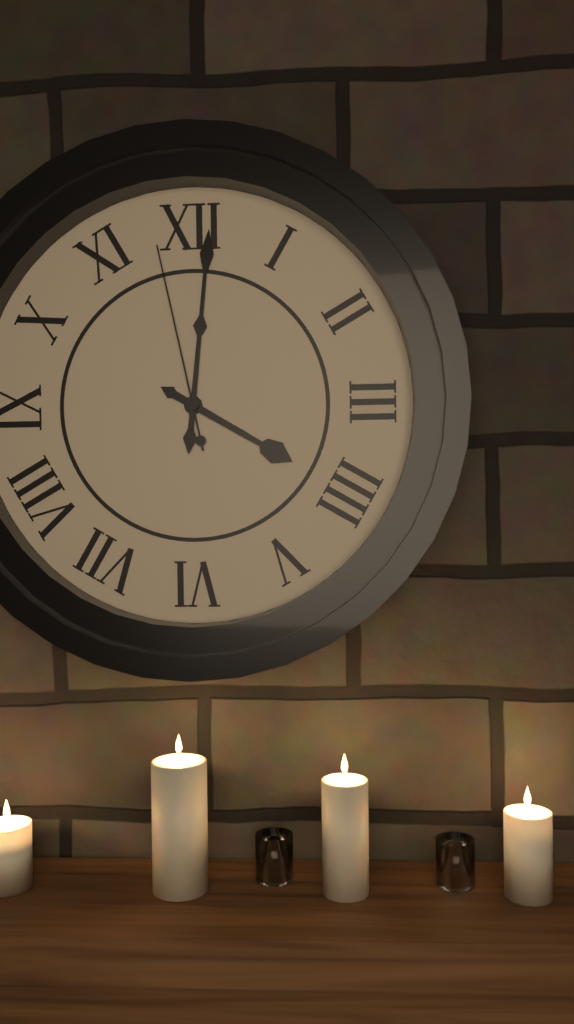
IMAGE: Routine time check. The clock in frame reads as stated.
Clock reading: 4:01:58
